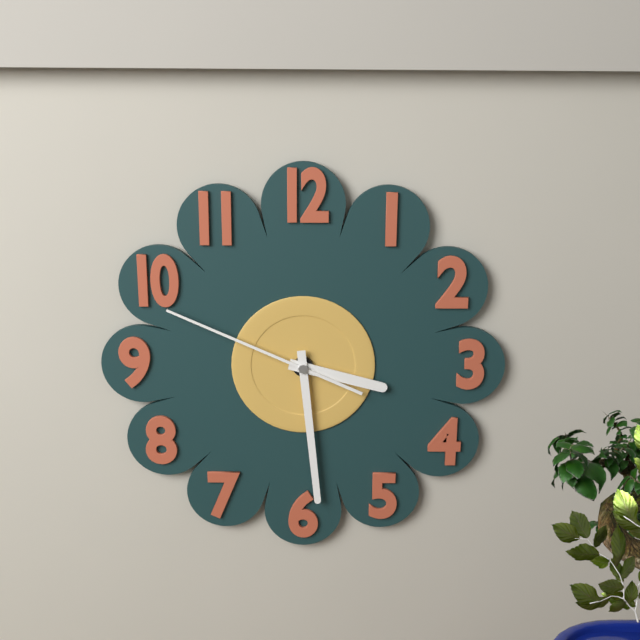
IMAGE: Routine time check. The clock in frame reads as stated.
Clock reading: 3:29:49
